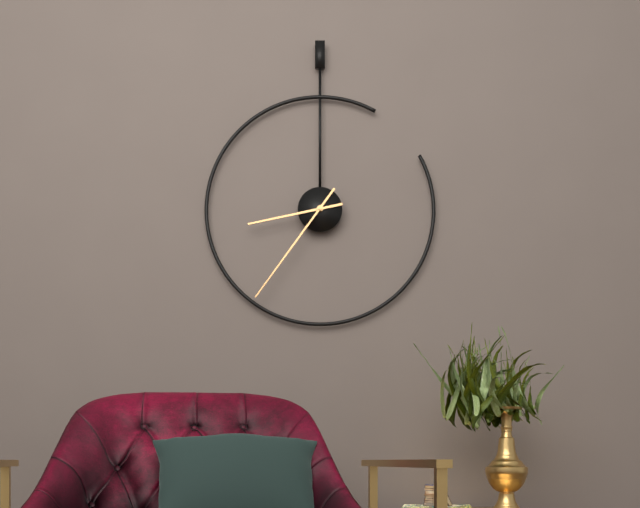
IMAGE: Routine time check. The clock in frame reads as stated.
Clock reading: 8:36
